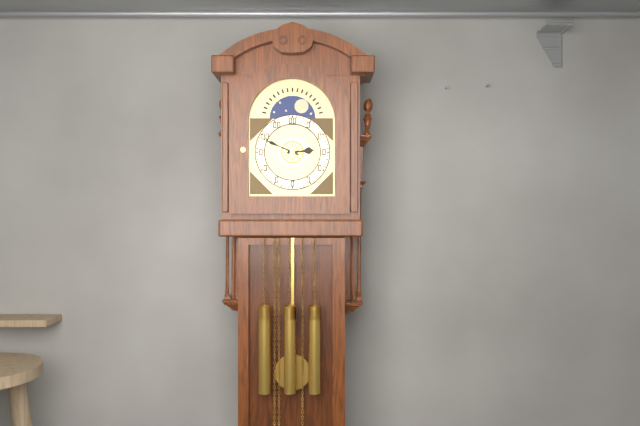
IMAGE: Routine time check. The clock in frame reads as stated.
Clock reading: 2:49
